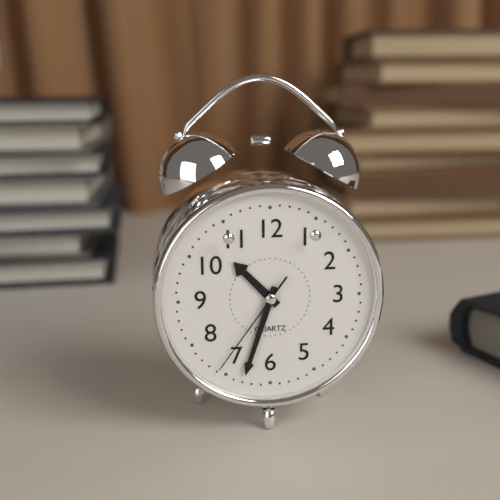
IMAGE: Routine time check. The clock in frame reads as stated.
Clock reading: 10:33:36
